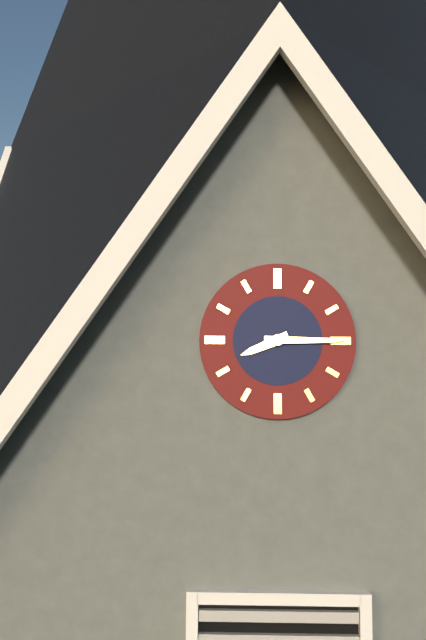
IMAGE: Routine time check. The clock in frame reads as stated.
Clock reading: 8:15
